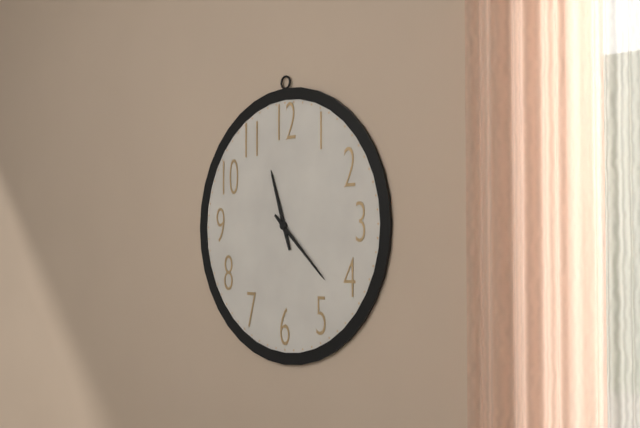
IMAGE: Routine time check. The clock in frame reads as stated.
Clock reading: 11:22
